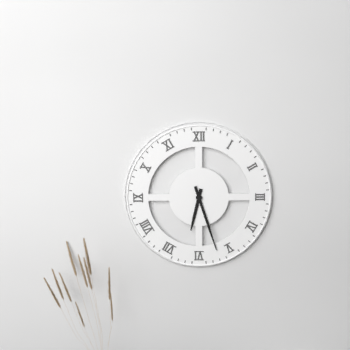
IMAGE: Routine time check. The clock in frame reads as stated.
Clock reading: 6:27
